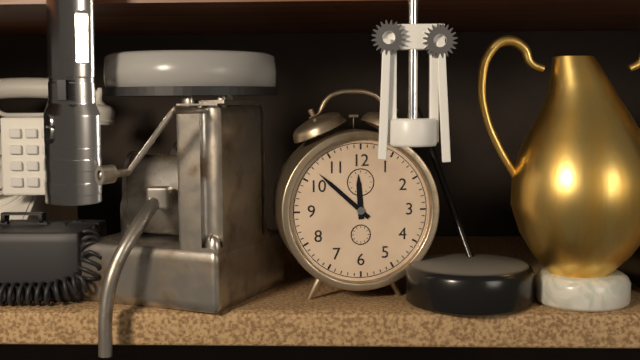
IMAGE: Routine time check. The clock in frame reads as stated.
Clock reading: 11:52
